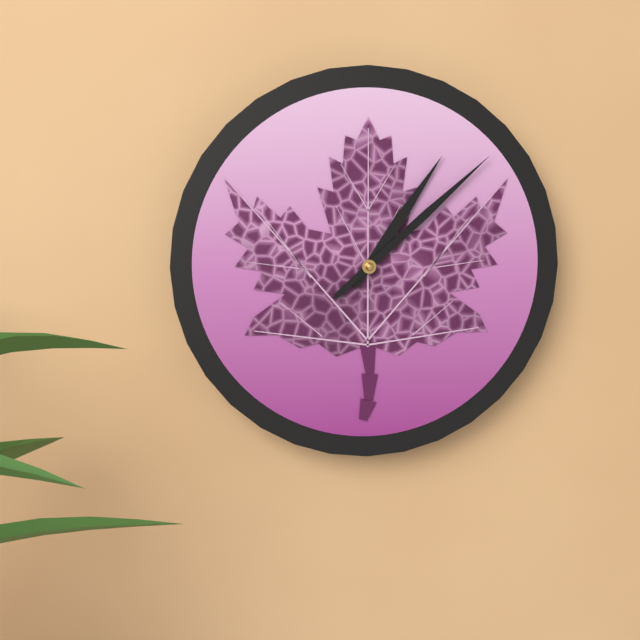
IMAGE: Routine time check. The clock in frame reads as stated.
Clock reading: 1:08
